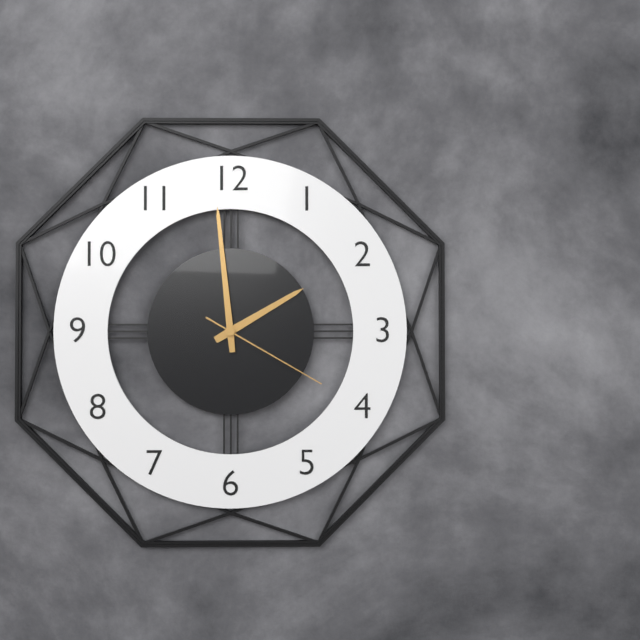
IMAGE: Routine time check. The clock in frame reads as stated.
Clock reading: 1:59:20
